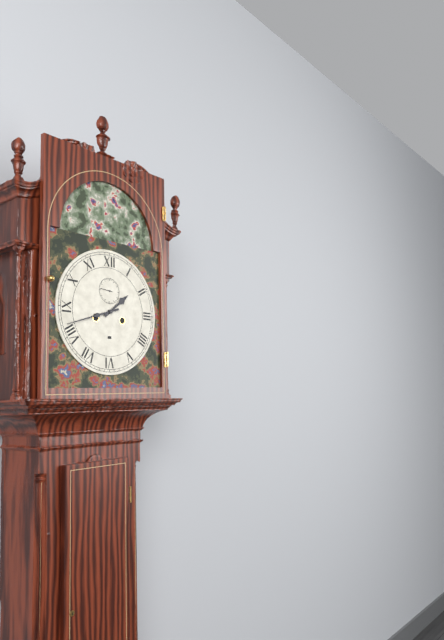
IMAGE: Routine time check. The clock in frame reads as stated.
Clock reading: 1:42
